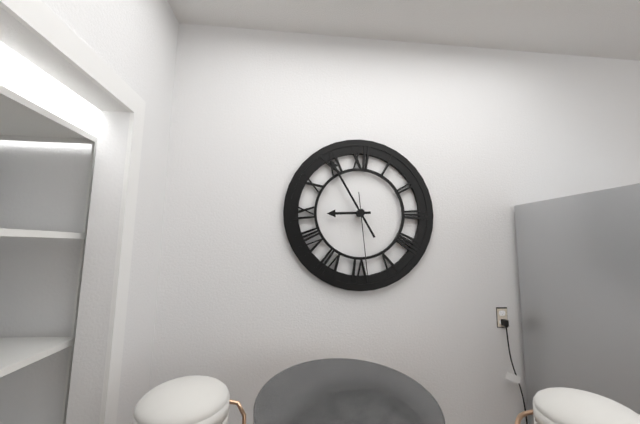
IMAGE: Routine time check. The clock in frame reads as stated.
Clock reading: 8:55:29
